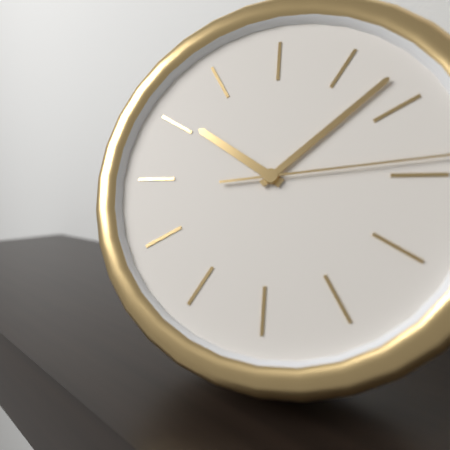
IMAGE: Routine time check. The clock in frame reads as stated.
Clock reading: 10:08
